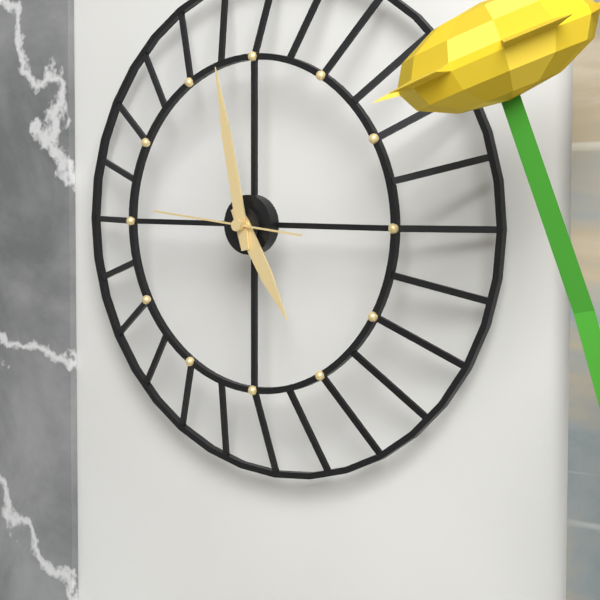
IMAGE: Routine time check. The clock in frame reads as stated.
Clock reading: 4:58:46
